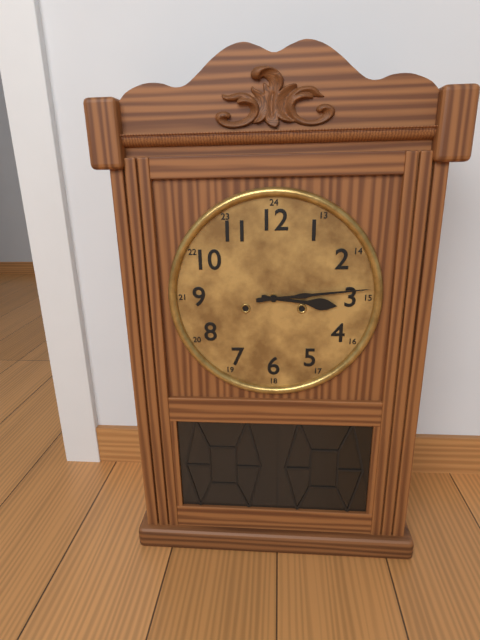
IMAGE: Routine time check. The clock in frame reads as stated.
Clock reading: 3:14
